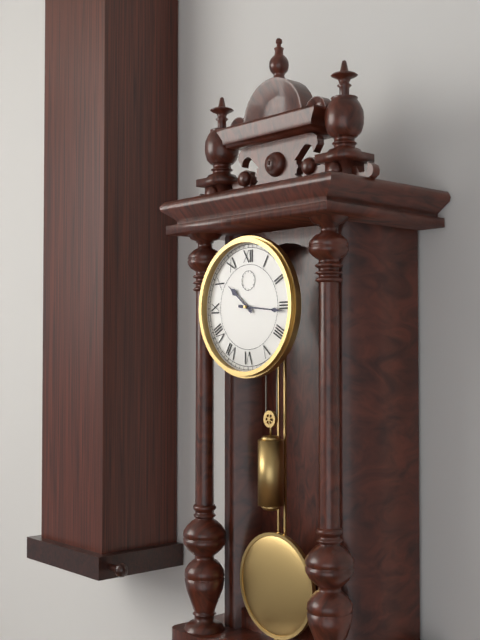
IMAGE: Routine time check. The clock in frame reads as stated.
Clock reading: 10:16
